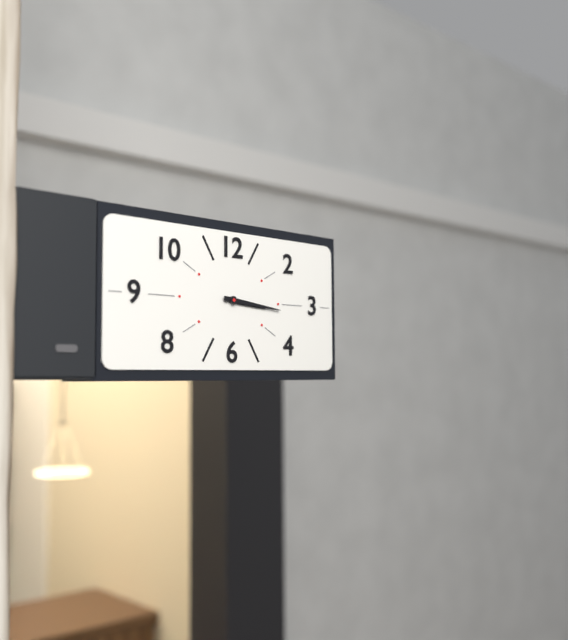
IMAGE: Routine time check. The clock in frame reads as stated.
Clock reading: 3:16
